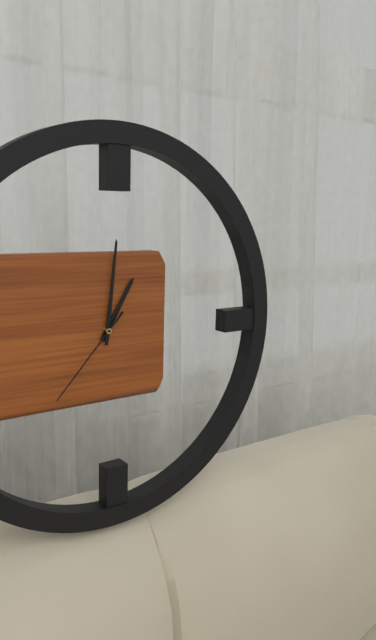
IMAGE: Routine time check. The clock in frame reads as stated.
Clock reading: 1:01:37
